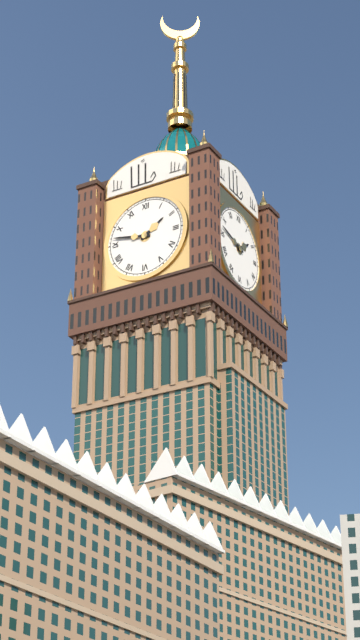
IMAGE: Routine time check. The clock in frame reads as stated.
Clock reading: 1:47
